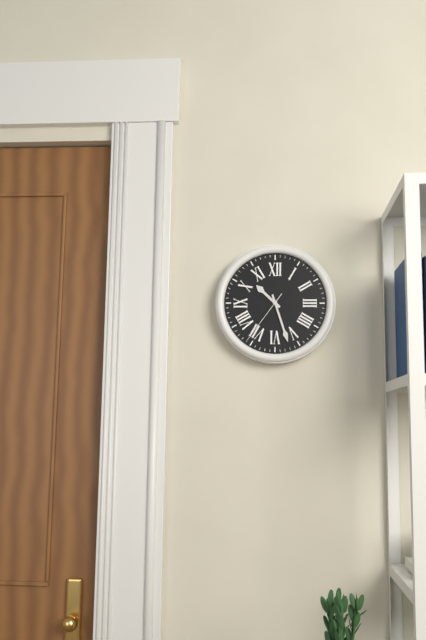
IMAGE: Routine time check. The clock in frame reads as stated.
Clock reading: 10:27:36
